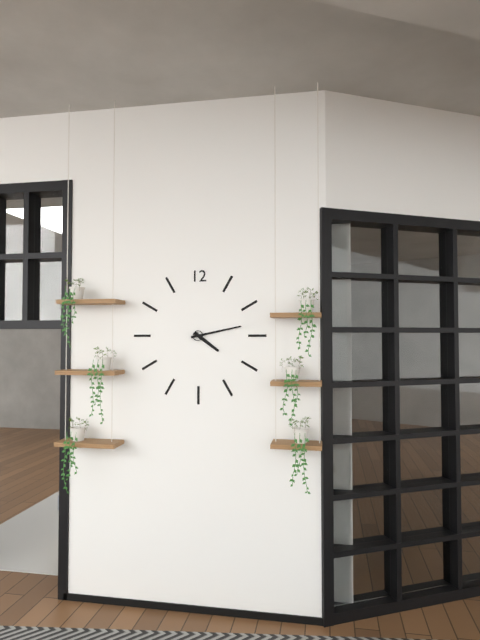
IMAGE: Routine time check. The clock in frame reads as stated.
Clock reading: 4:13
